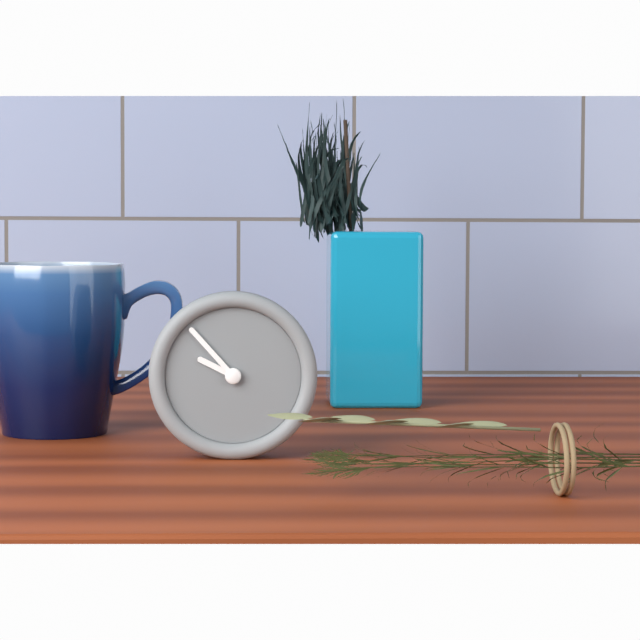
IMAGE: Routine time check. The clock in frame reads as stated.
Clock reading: 9:53
